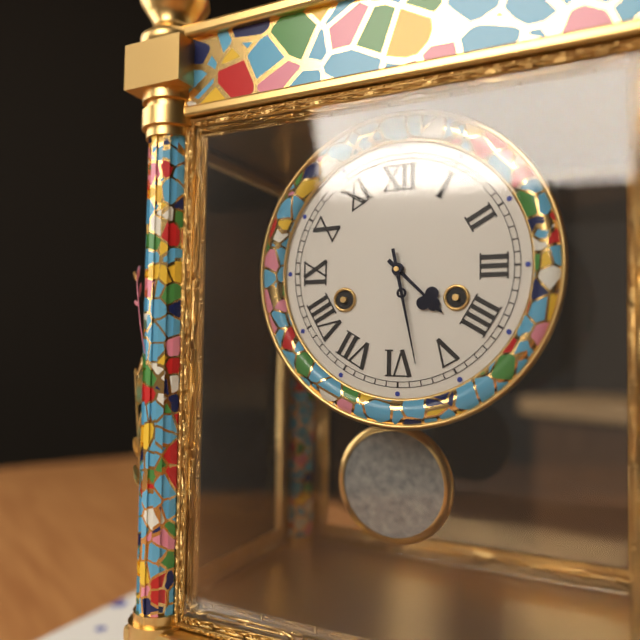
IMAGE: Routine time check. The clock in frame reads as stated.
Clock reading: 4:28
